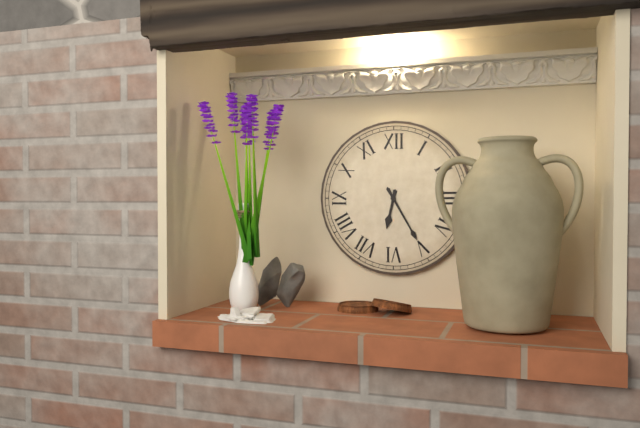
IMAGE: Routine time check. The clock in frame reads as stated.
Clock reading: 6:25
